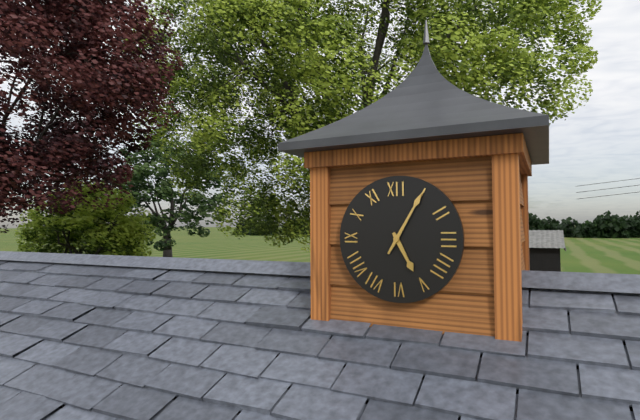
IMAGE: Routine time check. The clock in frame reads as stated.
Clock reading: 5:05
